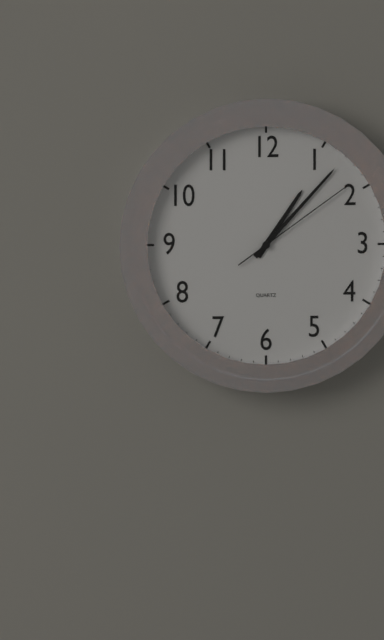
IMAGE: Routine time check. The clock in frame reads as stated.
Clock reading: 1:07:09
